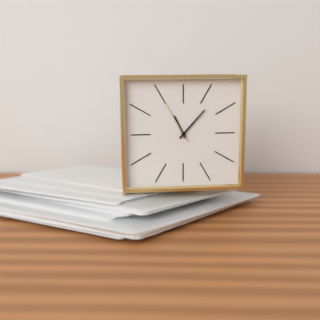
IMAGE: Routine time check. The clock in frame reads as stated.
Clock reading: 11:07
